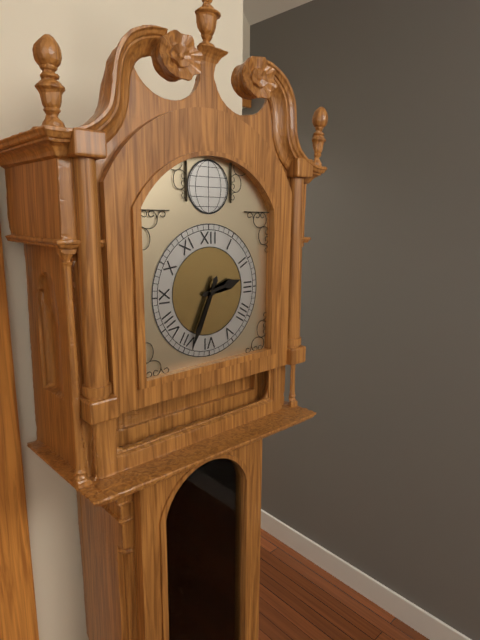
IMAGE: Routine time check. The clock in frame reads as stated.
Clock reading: 2:34
